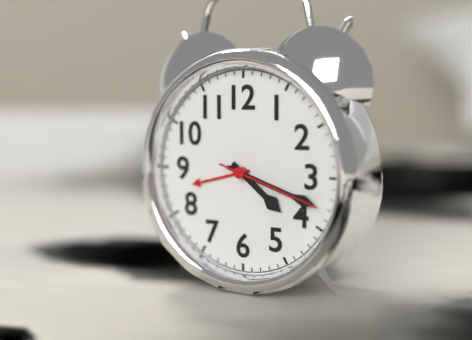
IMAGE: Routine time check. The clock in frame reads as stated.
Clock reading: 4:18:18
